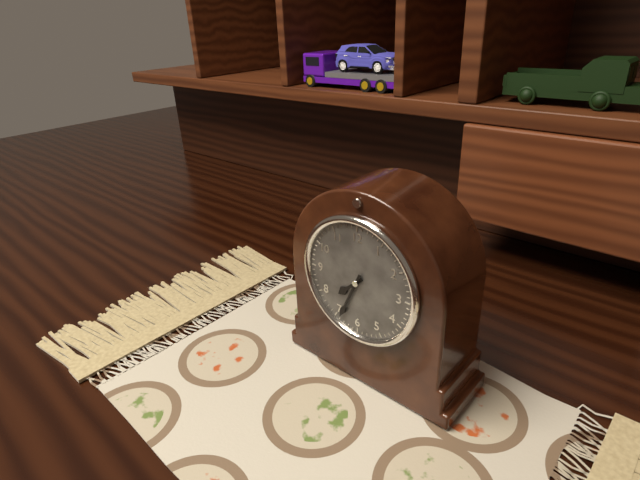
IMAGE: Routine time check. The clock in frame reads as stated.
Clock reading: 7:34
